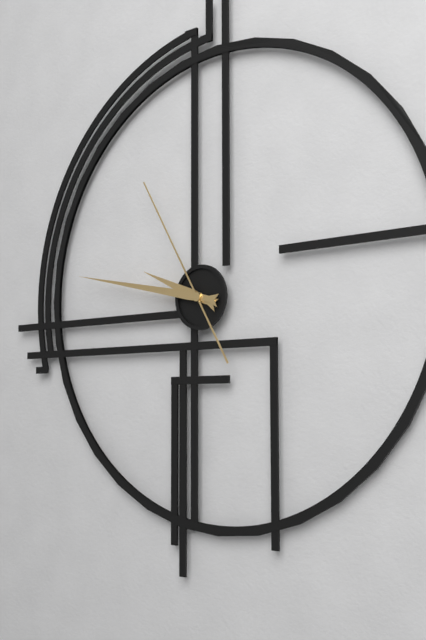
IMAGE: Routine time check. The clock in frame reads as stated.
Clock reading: 9:47:55
